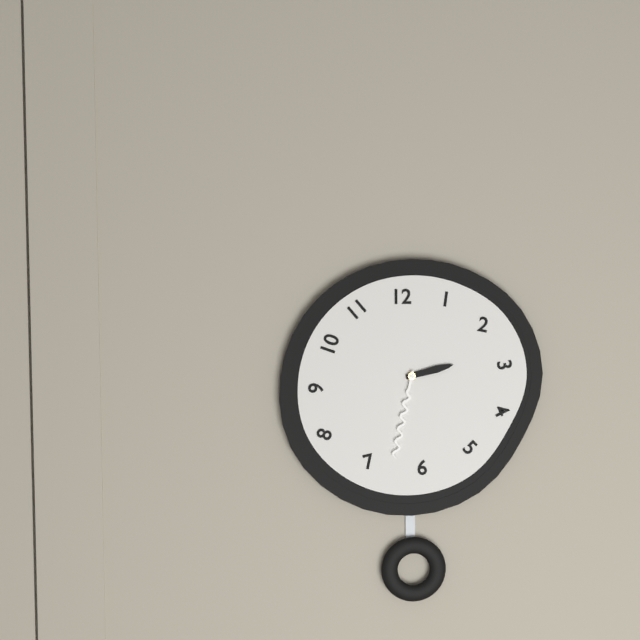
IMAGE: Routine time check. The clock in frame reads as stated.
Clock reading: 2:32
